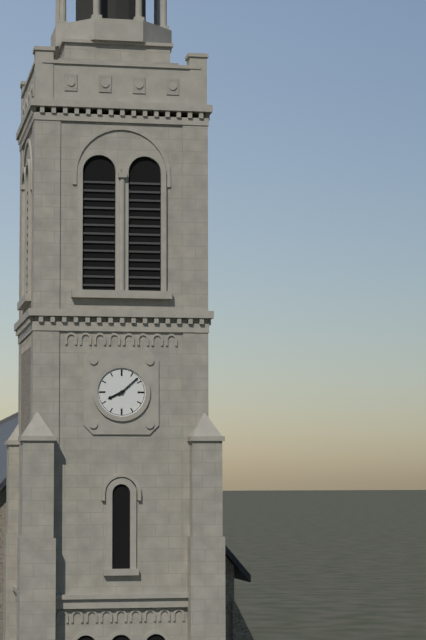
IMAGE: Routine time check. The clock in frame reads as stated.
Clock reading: 8:08
